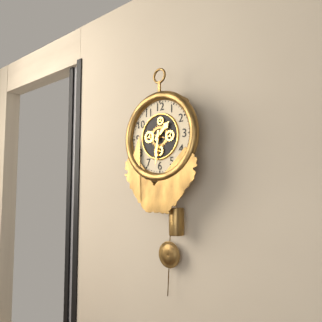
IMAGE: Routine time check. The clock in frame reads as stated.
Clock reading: 1:31
